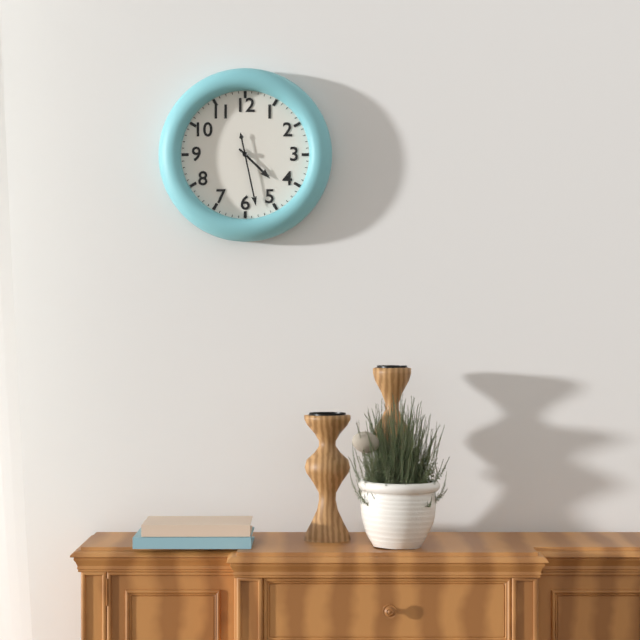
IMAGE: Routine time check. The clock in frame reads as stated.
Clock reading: 4:28
